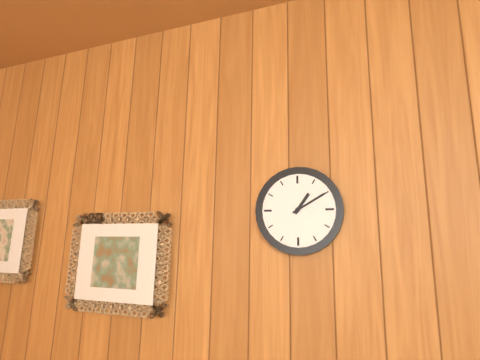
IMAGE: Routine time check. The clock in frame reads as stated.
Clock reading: 1:10
